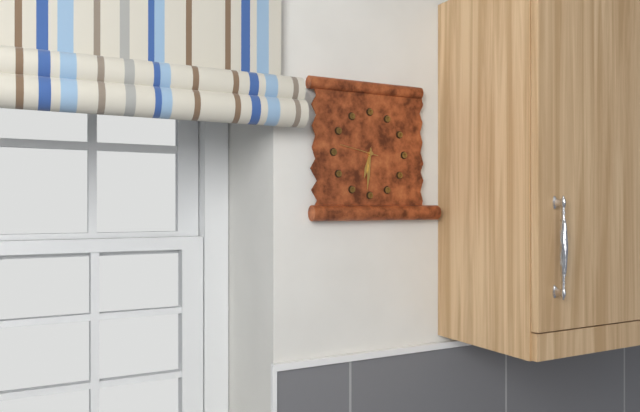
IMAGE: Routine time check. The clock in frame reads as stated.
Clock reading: 6:31
